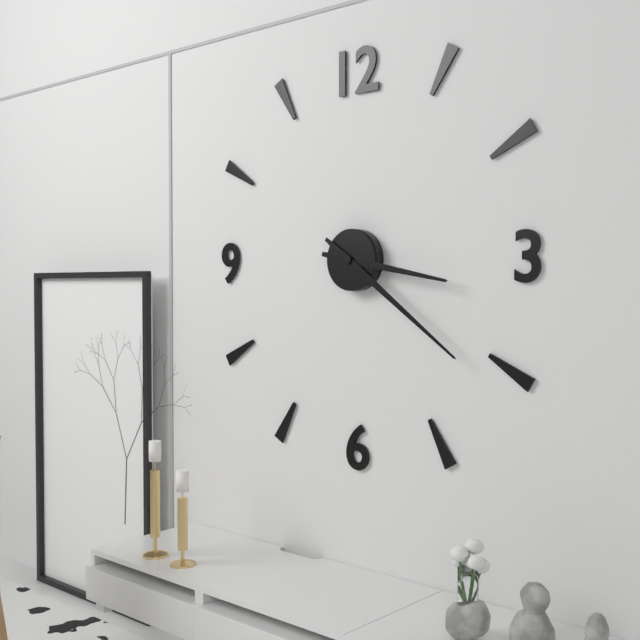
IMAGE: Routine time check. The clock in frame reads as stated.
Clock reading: 3:21
